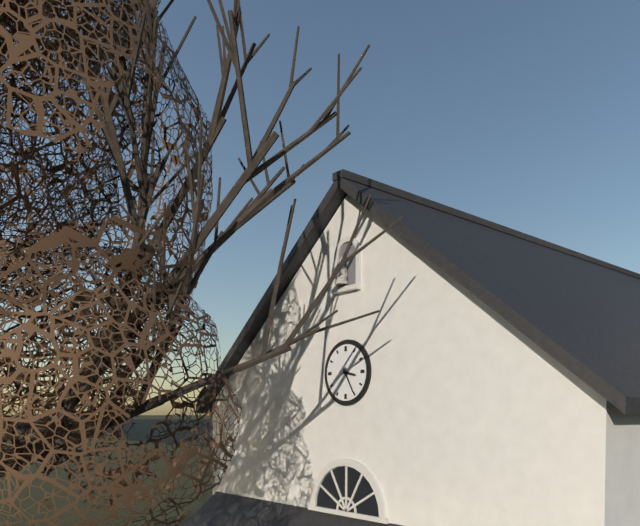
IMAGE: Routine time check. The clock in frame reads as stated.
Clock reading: 3:25
